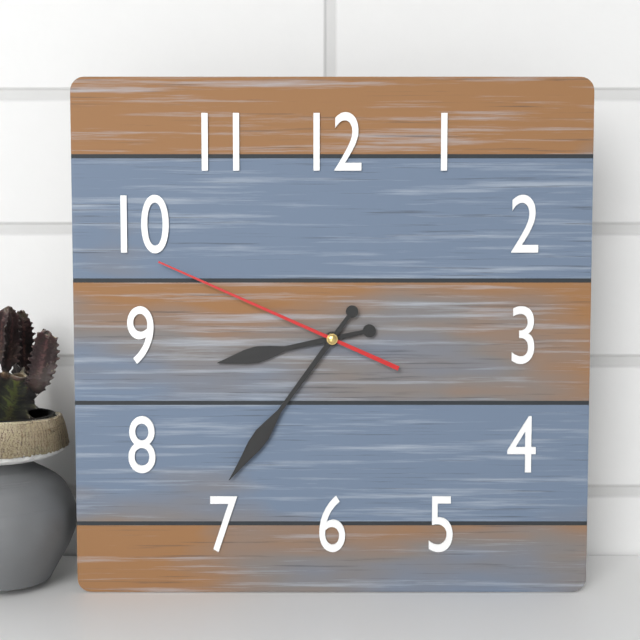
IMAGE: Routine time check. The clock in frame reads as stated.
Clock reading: 8:36:49
